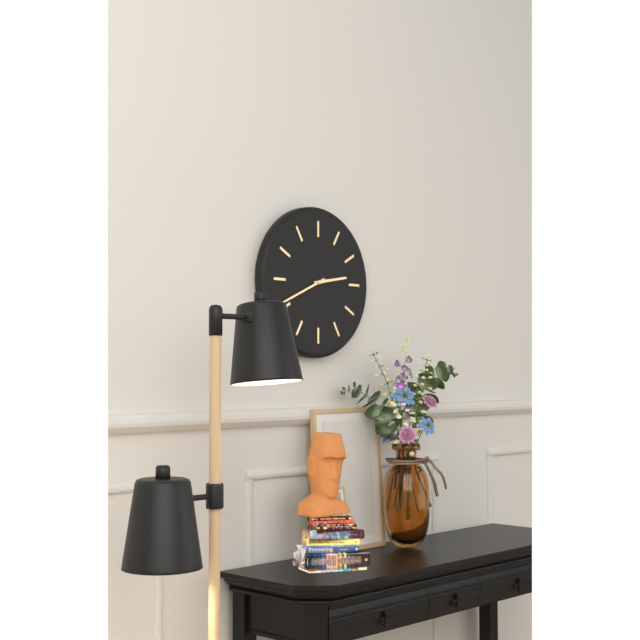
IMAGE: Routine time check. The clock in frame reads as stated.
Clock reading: 2:41
